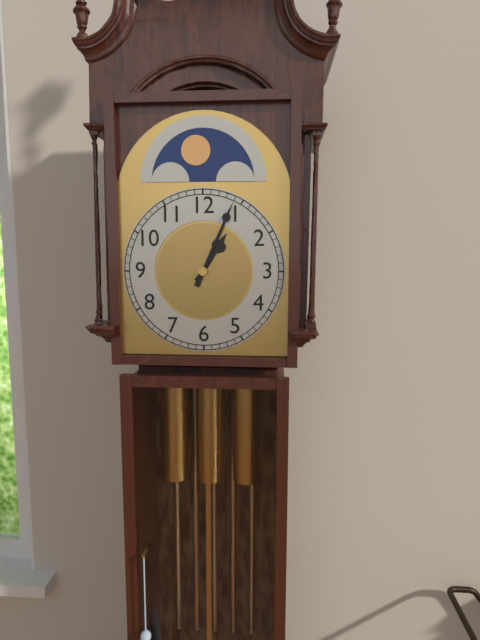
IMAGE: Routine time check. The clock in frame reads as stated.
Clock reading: 1:04
